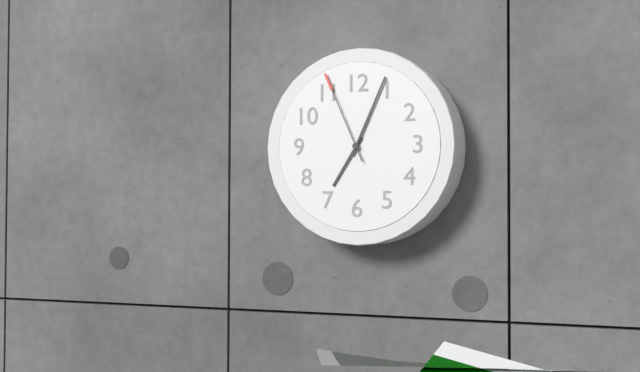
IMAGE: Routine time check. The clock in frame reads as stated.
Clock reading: 7:04:56
